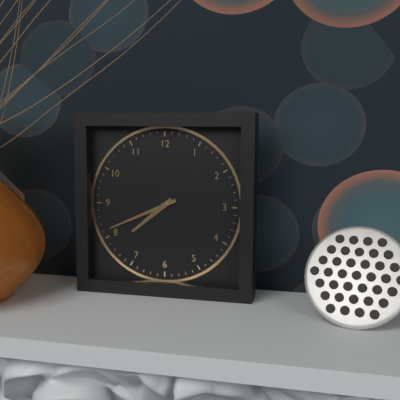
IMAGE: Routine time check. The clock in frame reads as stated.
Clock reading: 7:41
